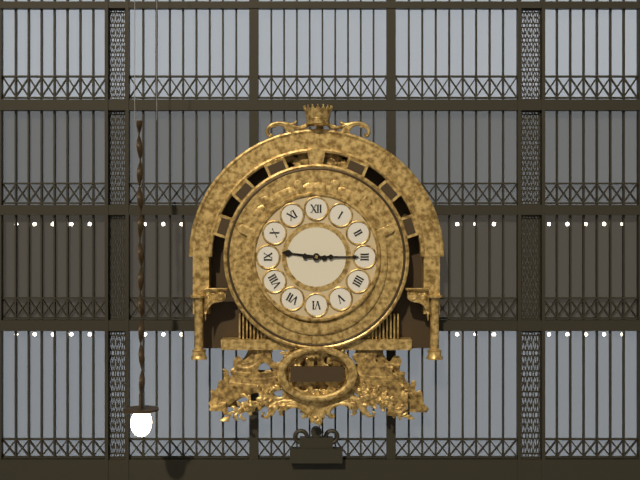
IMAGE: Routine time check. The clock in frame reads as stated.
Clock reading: 9:15
